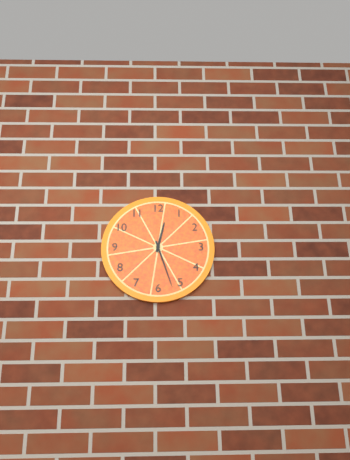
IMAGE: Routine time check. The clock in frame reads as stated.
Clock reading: 12:27
